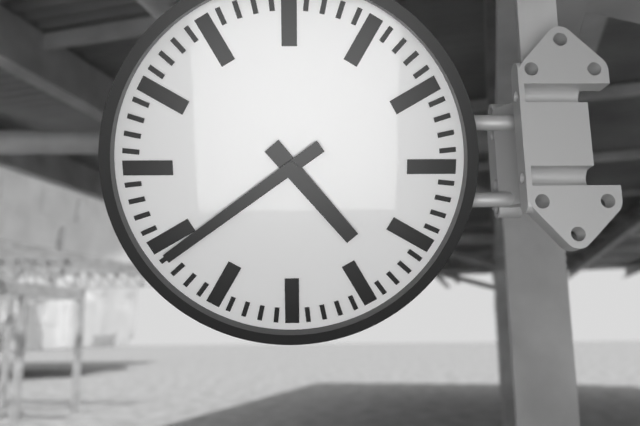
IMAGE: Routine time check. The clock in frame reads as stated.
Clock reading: 4:39
